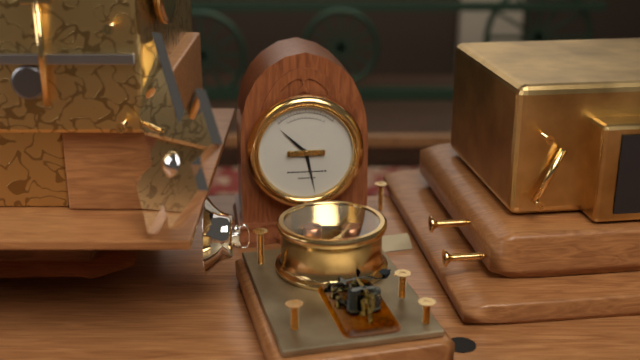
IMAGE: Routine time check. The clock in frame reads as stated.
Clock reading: 10:28
